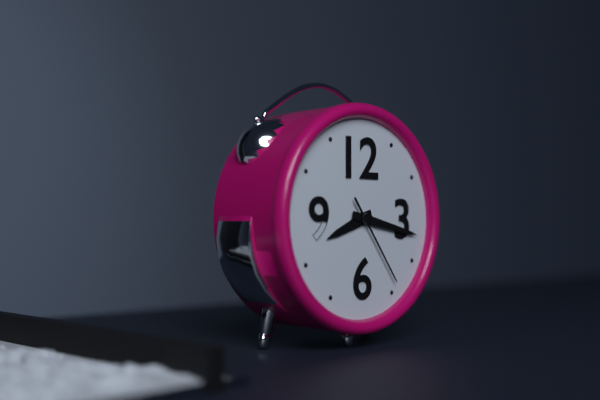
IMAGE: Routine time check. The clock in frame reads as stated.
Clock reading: 8:17:24
